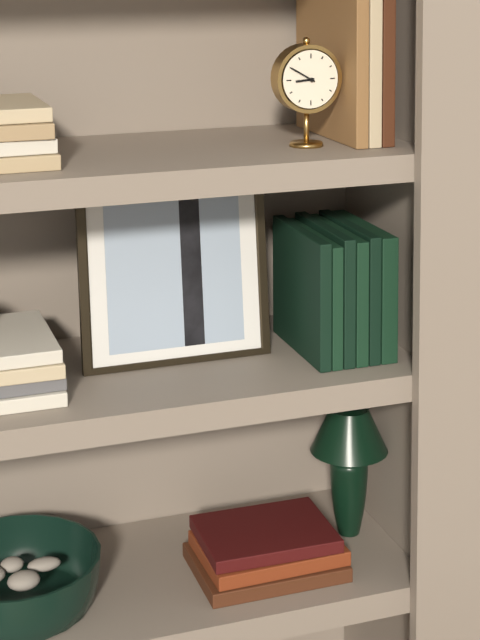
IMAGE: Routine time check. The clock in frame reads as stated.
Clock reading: 8:50
